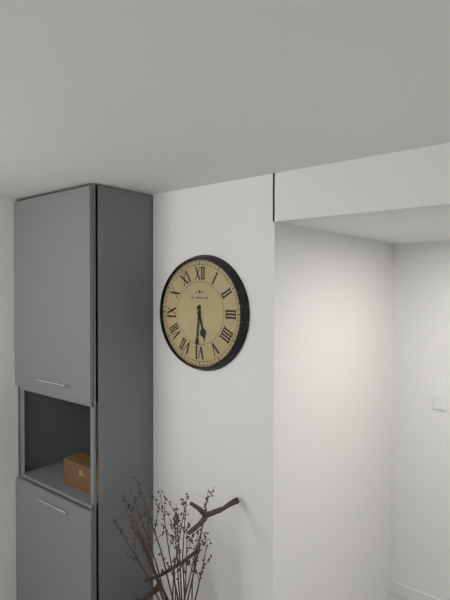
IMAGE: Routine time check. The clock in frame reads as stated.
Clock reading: 5:31
